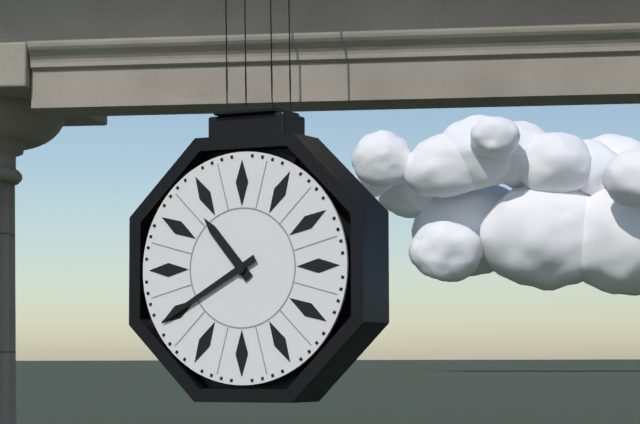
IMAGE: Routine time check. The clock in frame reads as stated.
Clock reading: 10:40
